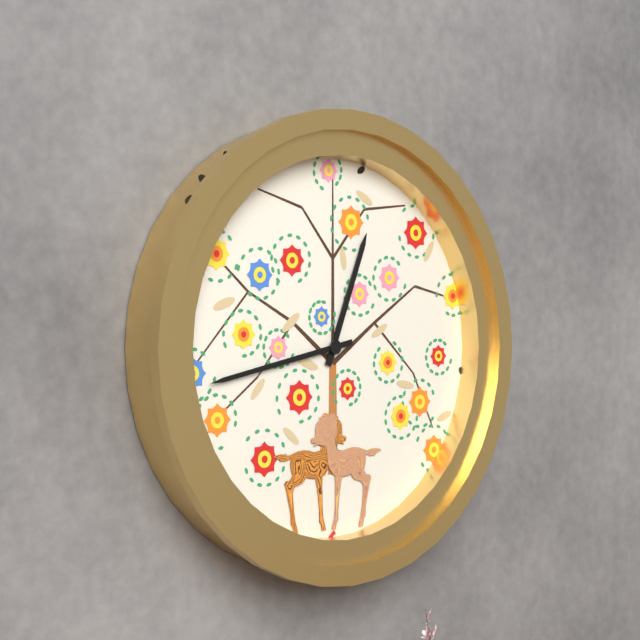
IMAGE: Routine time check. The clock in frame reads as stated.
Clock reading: 12:43
